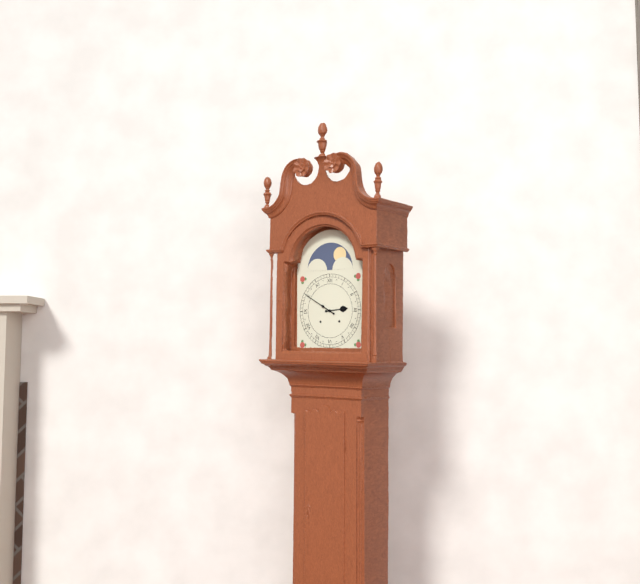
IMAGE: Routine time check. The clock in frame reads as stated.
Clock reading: 2:50
